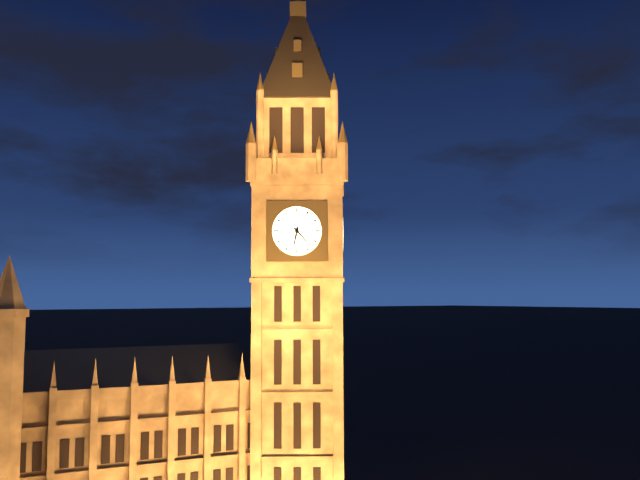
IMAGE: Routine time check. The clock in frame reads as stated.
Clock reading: 6:23
